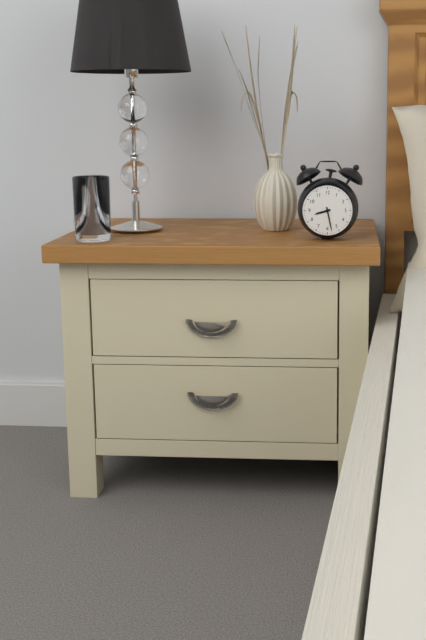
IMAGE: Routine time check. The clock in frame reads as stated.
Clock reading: 8:28
